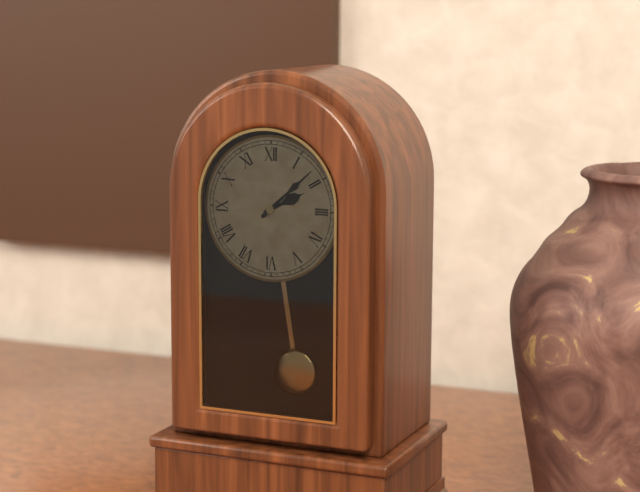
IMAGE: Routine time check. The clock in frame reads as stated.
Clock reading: 2:08
